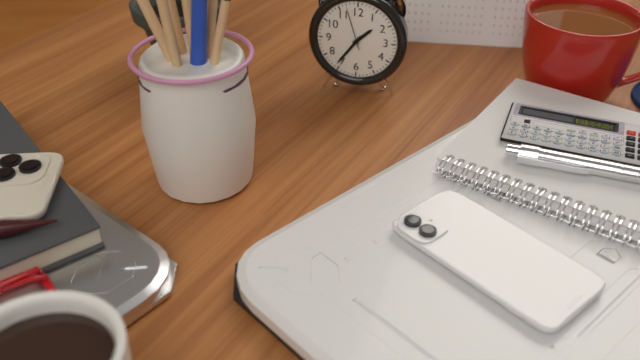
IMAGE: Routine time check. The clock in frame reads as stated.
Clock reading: 1:36
